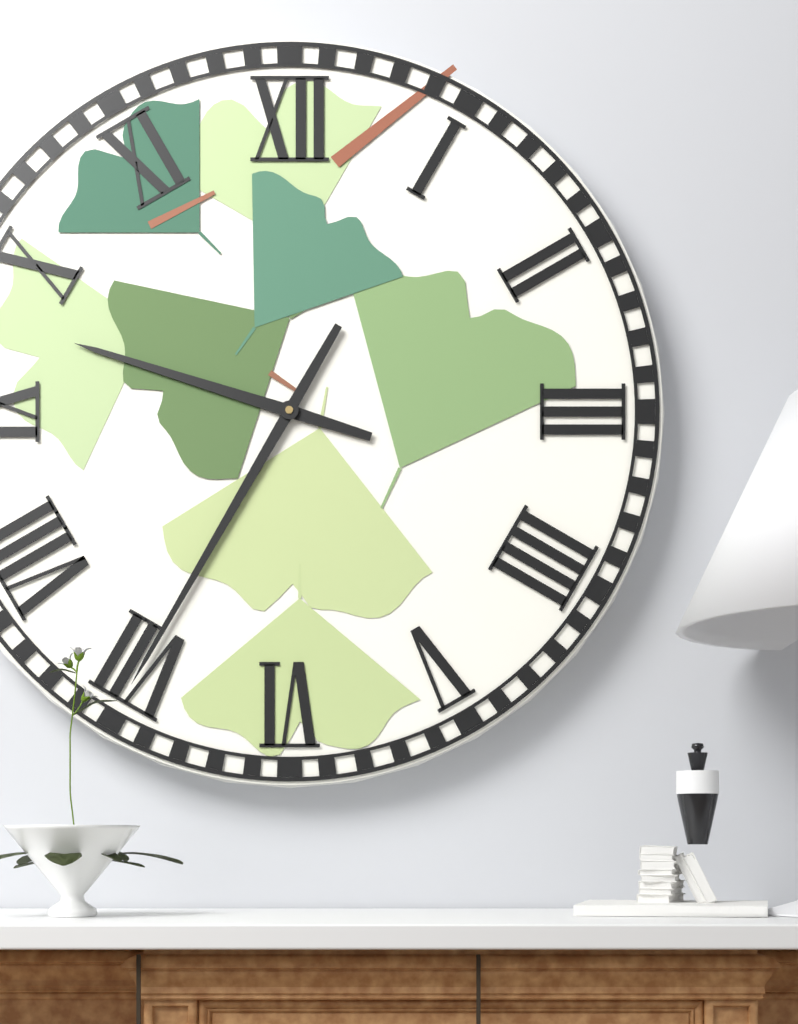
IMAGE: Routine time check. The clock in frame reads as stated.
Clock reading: 9:35
